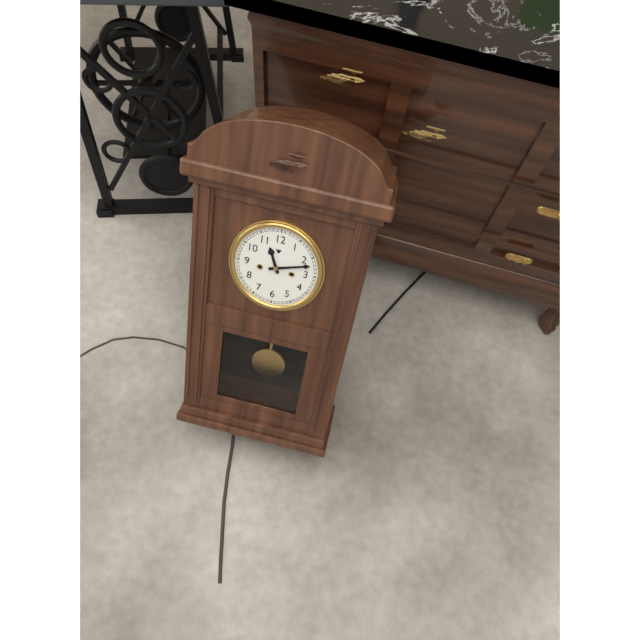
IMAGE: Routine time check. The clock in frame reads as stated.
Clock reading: 11:12
